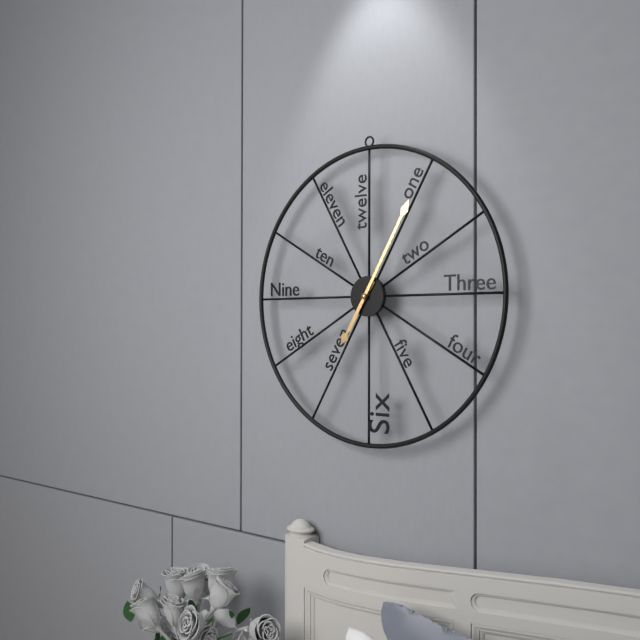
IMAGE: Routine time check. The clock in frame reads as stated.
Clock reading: 7:05
